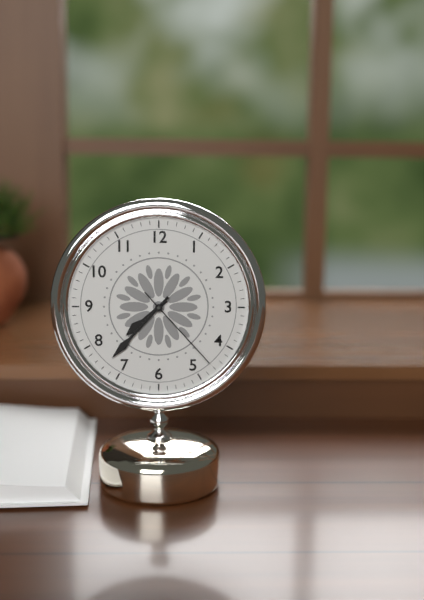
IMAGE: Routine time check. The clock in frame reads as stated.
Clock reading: 7:37:23
